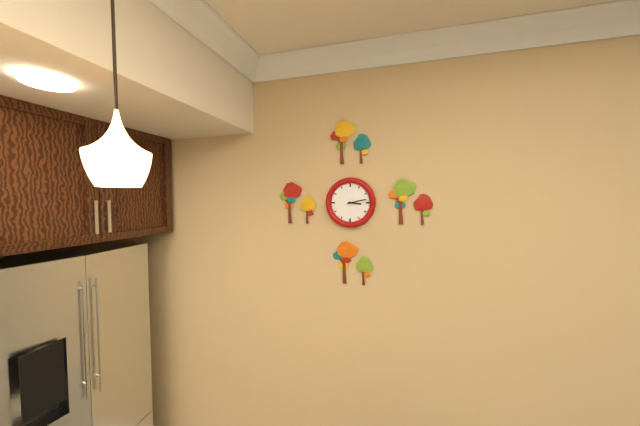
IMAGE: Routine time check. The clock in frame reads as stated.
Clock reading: 3:13
